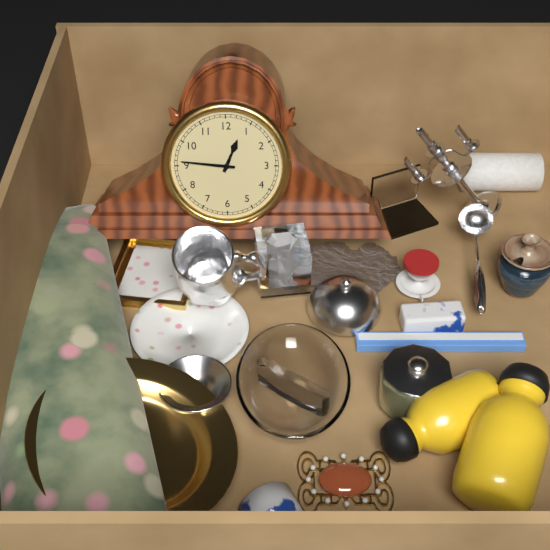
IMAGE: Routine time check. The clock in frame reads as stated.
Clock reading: 12:46
